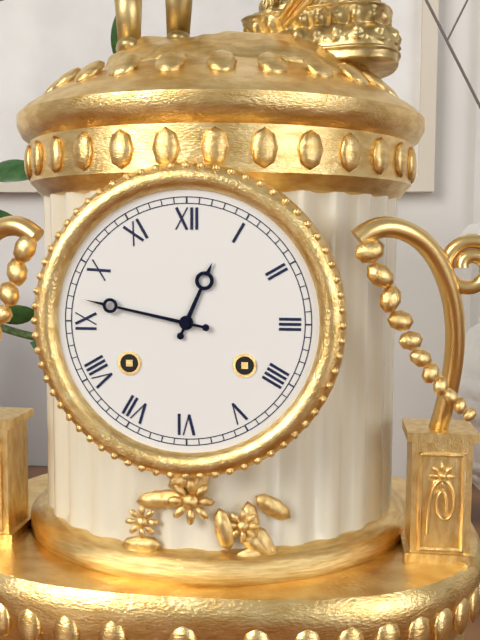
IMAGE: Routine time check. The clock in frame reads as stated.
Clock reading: 12:47
